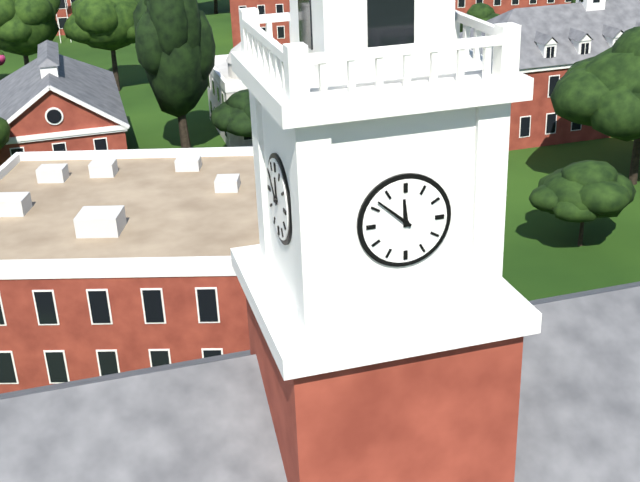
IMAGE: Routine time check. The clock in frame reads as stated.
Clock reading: 11:52
